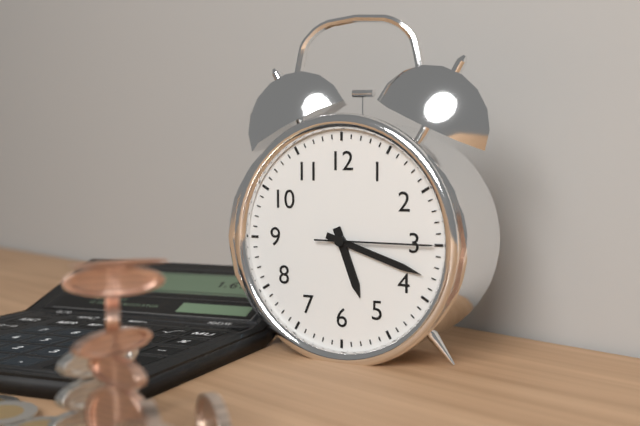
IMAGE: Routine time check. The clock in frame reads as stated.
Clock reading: 5:18:15
